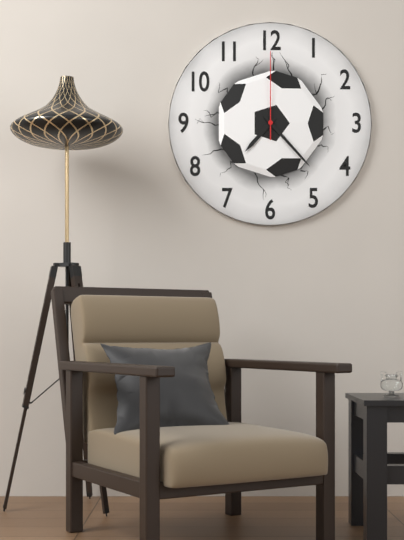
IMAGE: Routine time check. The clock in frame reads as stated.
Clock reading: 7:23:00
